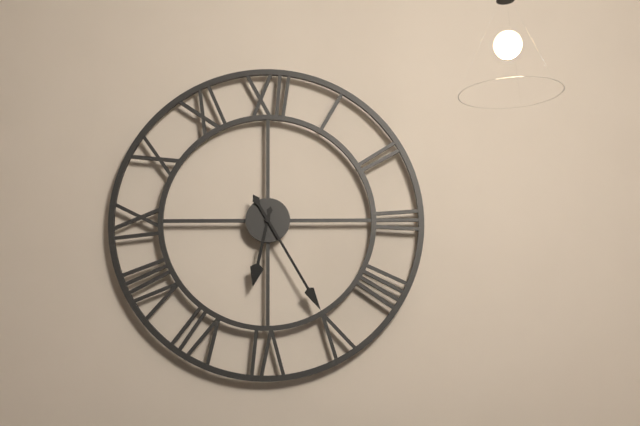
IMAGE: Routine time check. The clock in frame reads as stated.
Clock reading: 6:25
